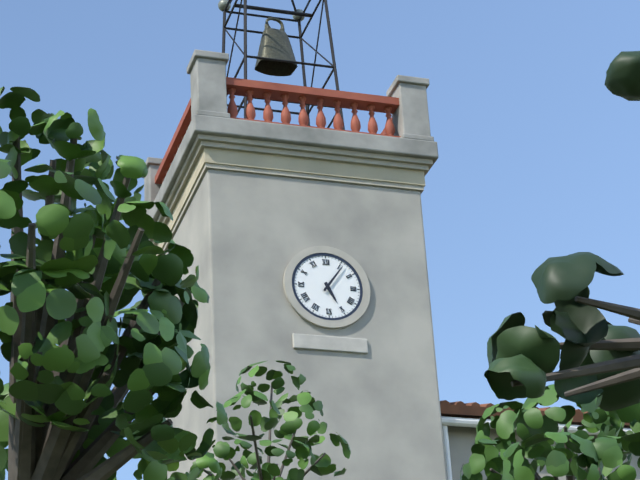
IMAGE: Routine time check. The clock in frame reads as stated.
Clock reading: 5:06
